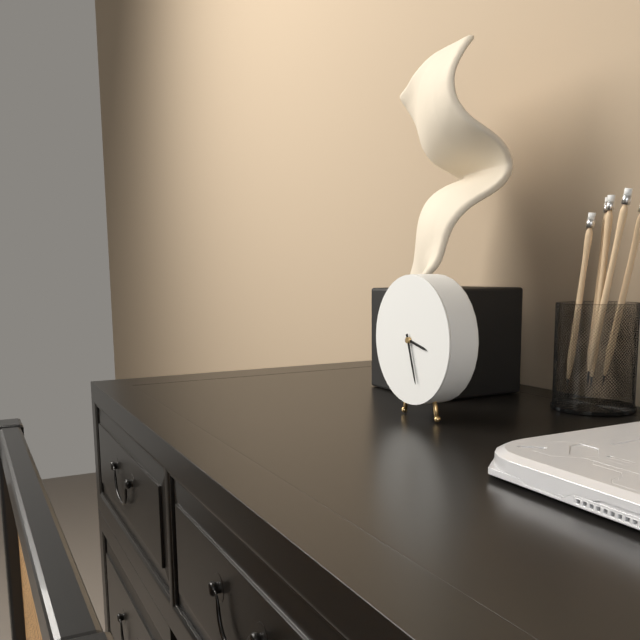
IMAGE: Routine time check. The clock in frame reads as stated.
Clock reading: 3:27
